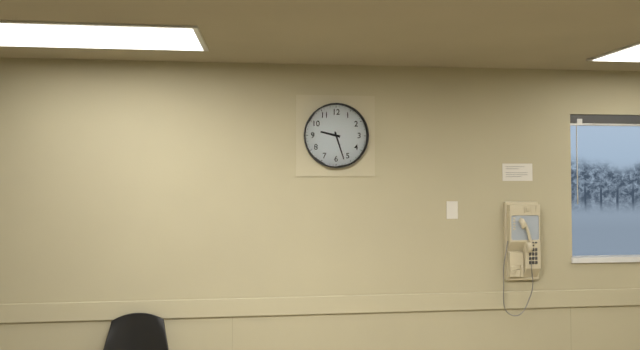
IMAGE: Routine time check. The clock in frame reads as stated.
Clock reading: 9:27
